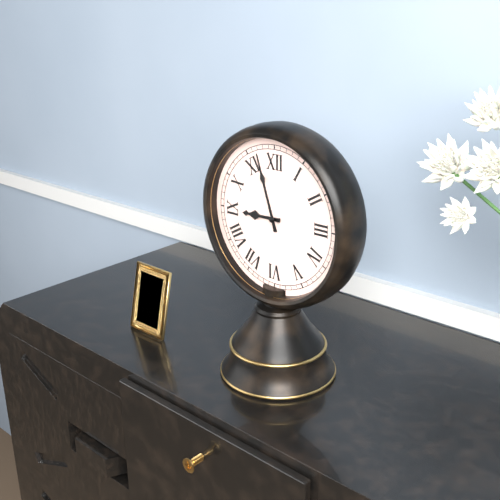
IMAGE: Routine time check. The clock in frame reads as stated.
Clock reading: 8:57
